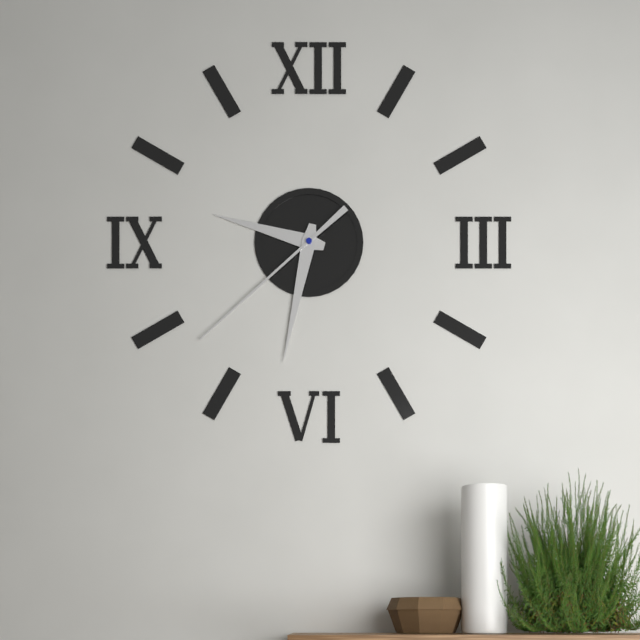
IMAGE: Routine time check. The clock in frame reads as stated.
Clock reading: 9:32:38
